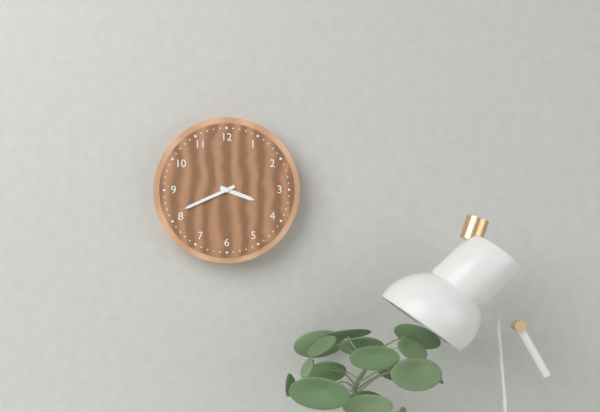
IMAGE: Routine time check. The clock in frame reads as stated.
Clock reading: 3:41
